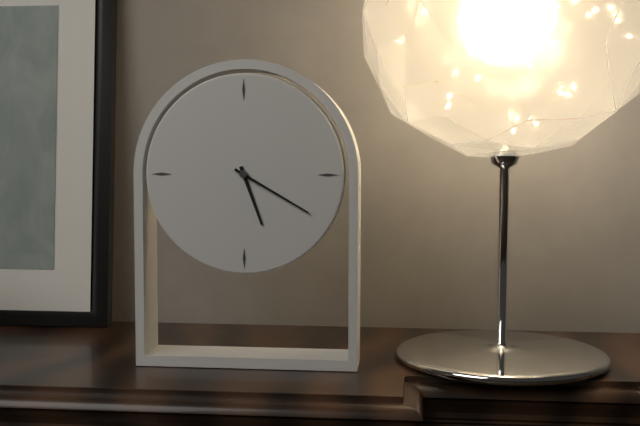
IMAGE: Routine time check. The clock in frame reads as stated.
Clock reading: 5:20
